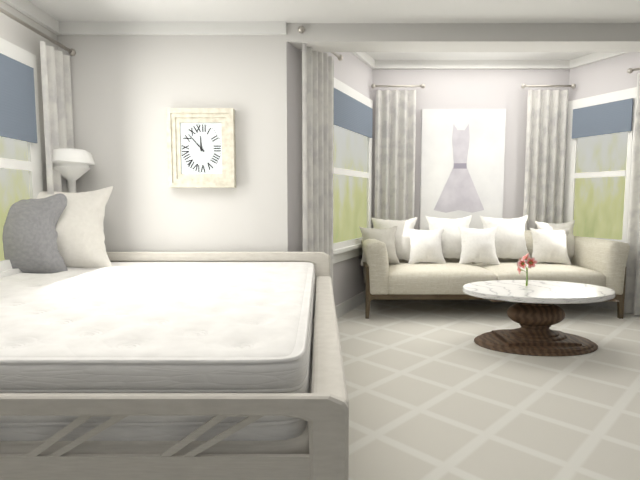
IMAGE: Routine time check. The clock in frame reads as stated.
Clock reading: 11:53
